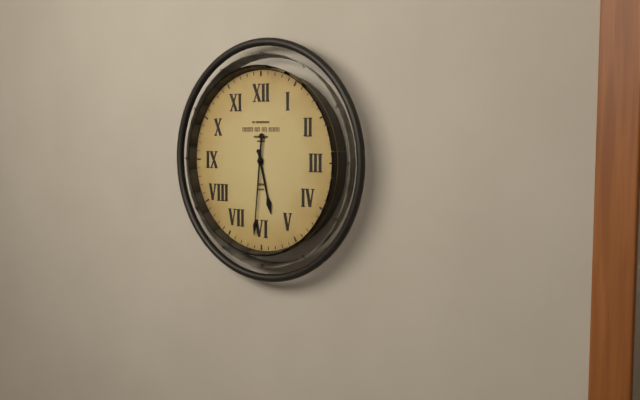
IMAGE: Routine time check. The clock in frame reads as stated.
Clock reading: 5:31
